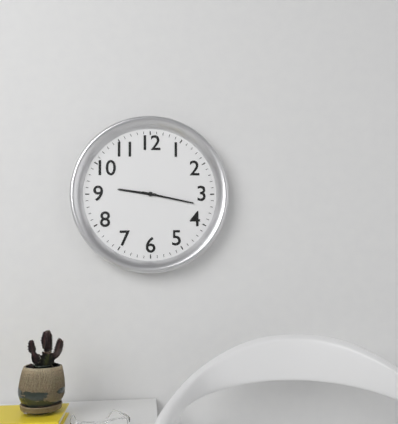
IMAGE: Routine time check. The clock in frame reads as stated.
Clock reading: 9:17
